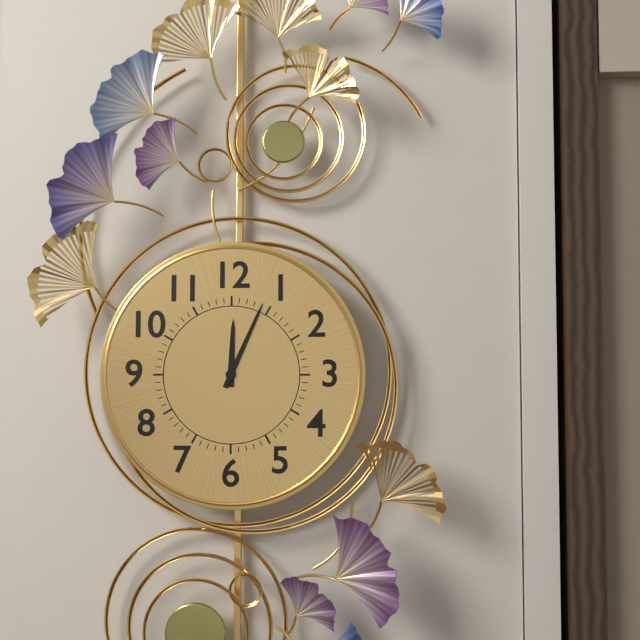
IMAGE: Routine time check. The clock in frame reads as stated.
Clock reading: 12:04
